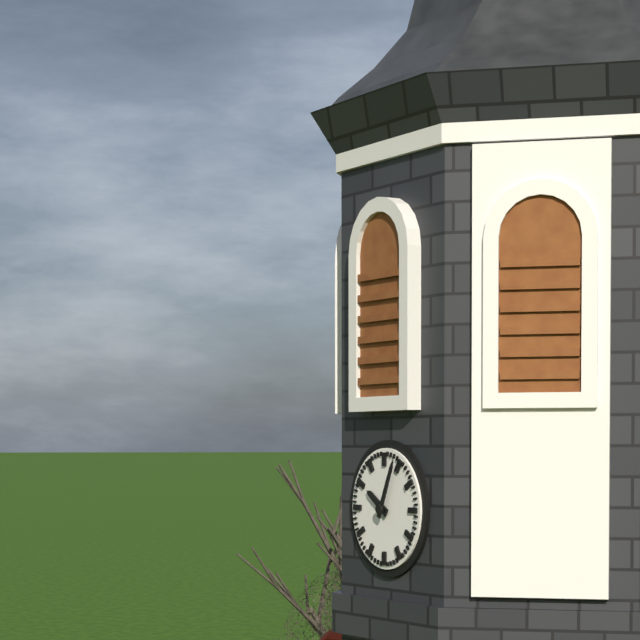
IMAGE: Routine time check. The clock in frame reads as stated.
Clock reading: 10:04
